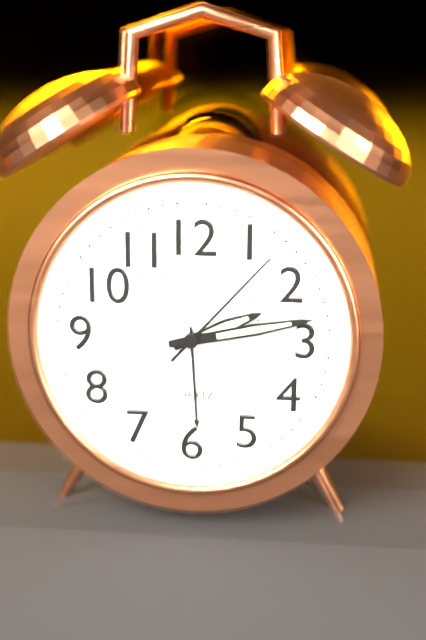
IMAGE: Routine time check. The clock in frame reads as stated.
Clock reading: 2:13:07
